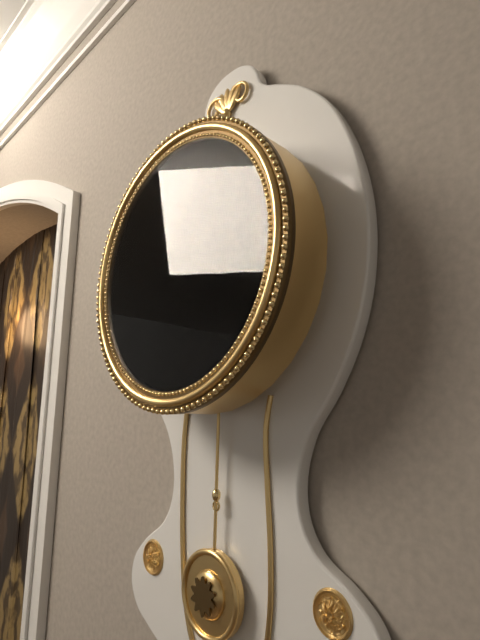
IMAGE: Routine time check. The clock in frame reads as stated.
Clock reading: 12:13
